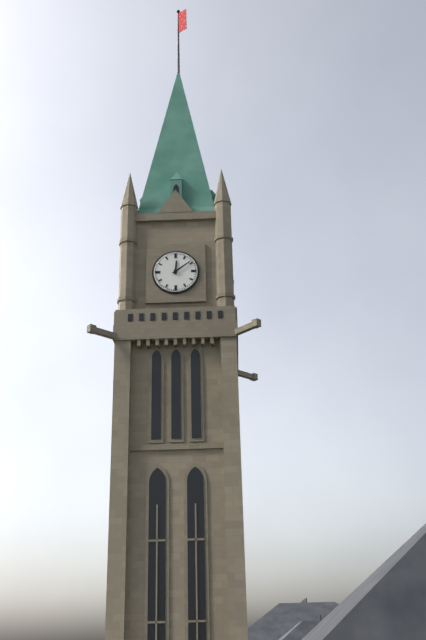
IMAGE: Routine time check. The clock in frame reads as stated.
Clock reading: 12:09
